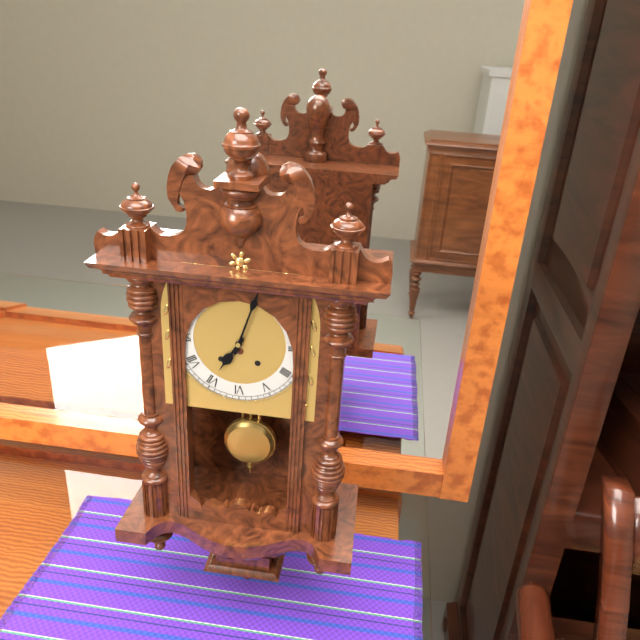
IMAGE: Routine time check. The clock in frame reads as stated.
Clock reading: 7:03
